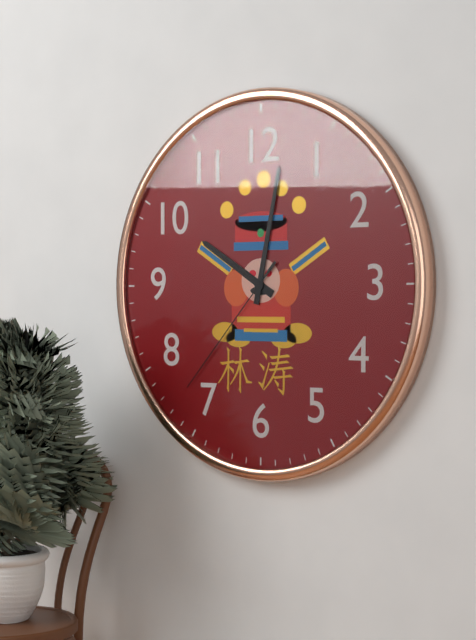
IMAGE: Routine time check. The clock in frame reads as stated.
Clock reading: 10:02:37
